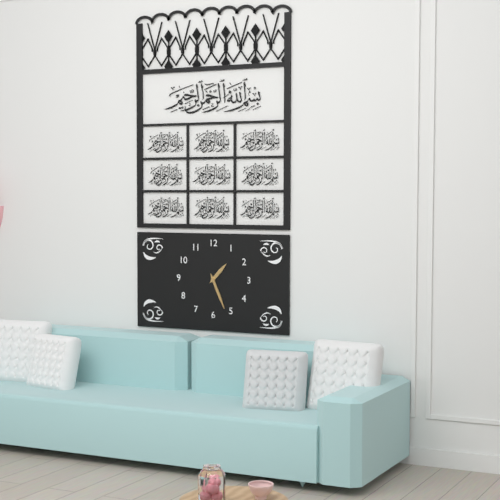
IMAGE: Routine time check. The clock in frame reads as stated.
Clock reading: 1:26
